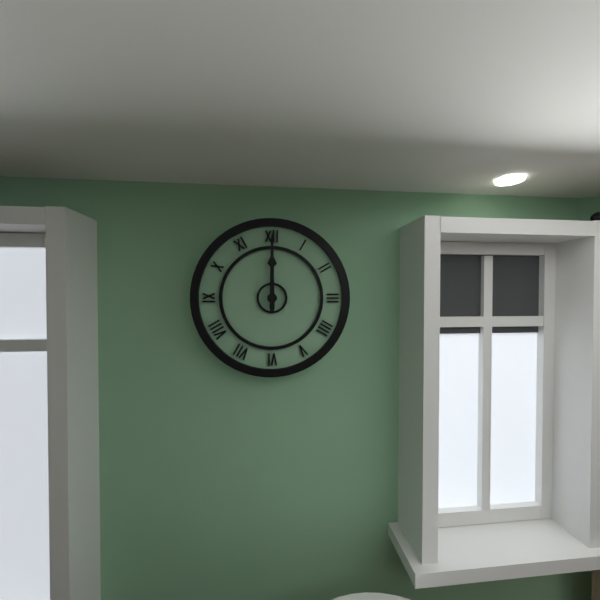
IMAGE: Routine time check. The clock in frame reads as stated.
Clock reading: 12:00
